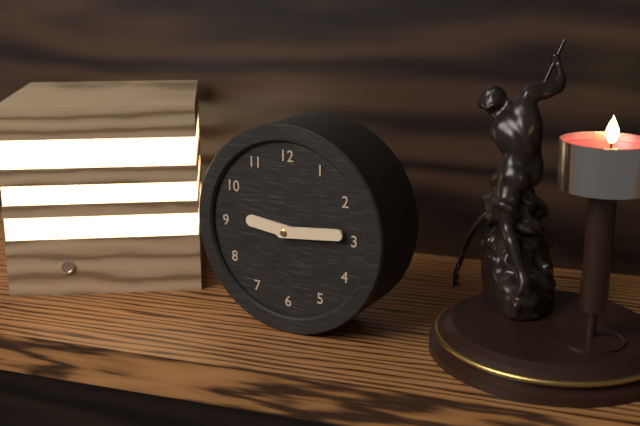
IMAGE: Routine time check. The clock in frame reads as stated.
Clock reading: 9:14
